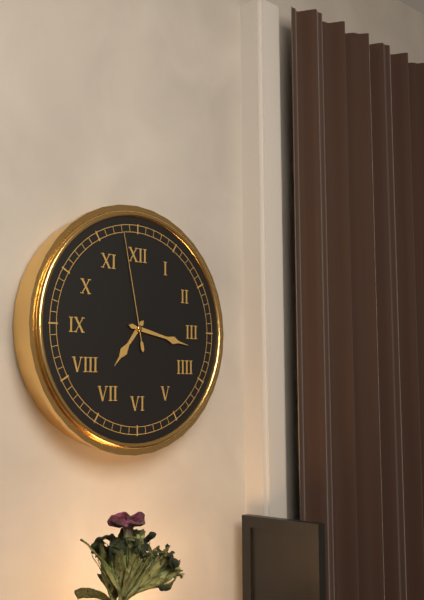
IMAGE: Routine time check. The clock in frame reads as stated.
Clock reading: 7:17:58
